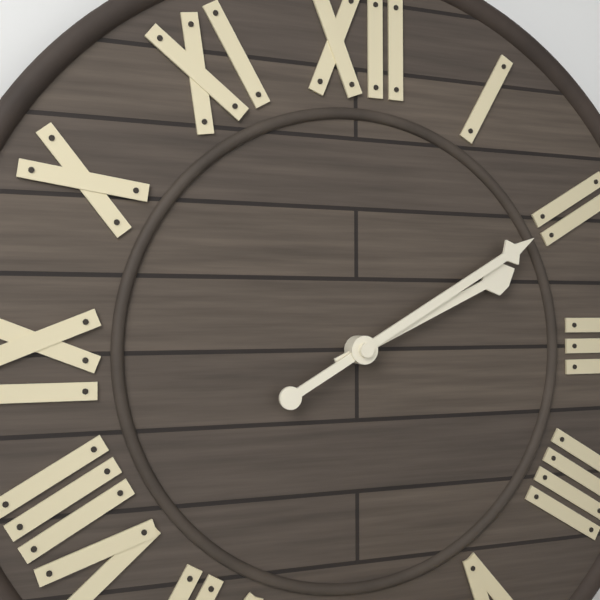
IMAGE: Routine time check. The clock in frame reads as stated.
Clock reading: 2:10
